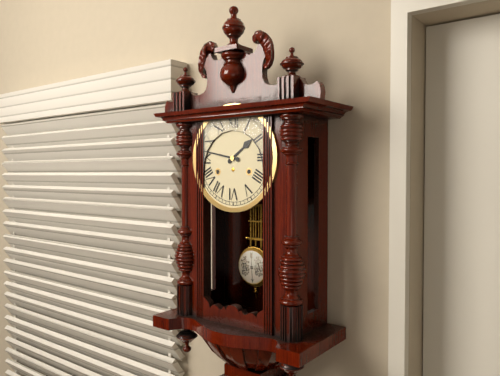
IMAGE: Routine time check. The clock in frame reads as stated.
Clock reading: 1:47
